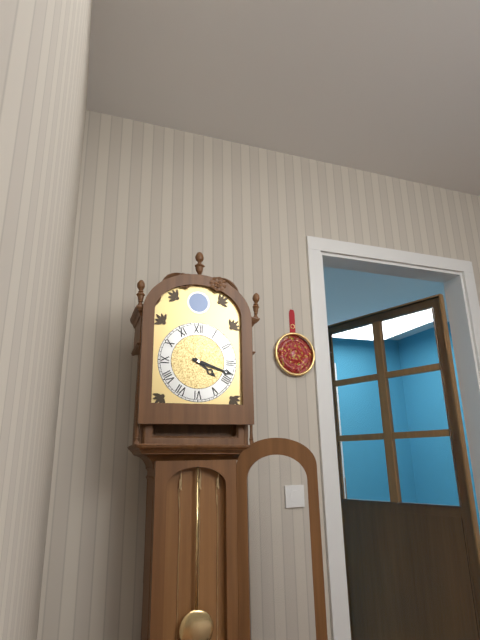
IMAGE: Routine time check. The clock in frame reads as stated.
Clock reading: 4:18
